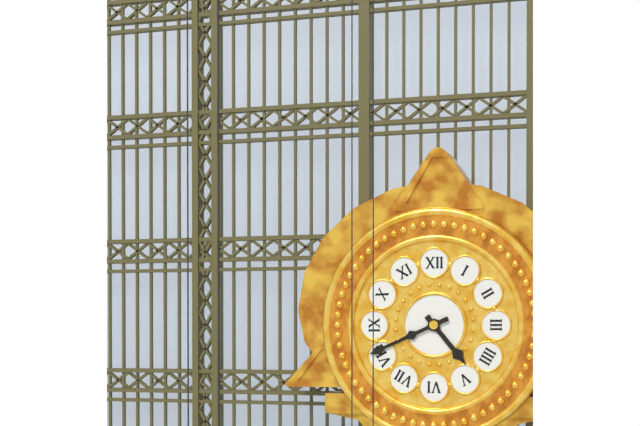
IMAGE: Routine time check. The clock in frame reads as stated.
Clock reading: 4:41
